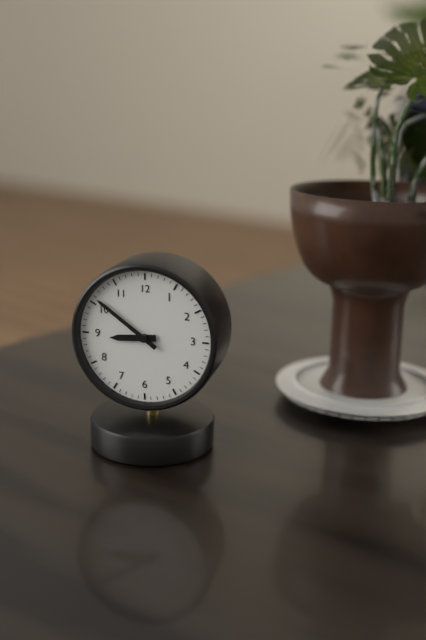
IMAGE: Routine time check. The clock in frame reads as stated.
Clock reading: 8:51
